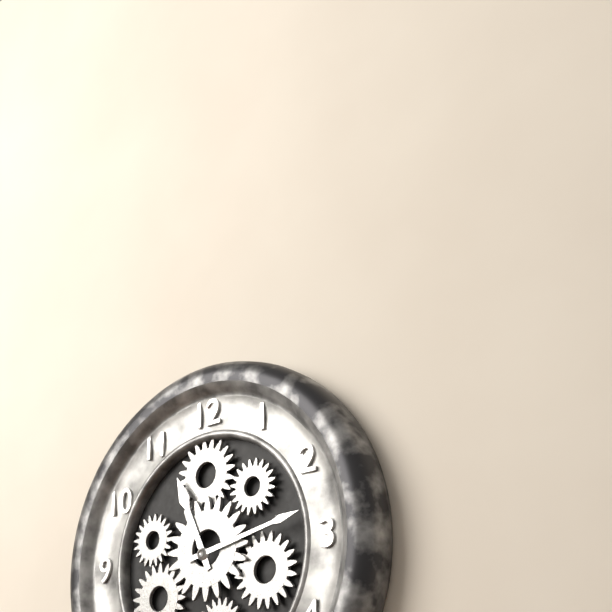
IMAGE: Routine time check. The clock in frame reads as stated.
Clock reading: 11:13
